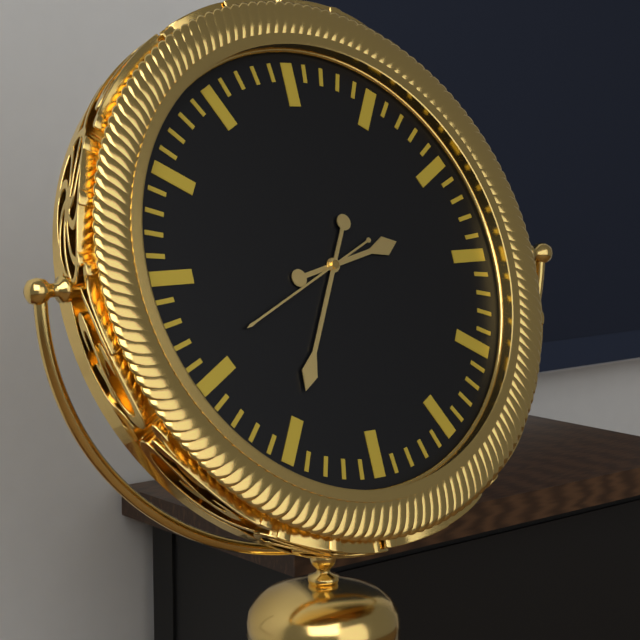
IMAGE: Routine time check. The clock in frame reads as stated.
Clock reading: 2:35:41
